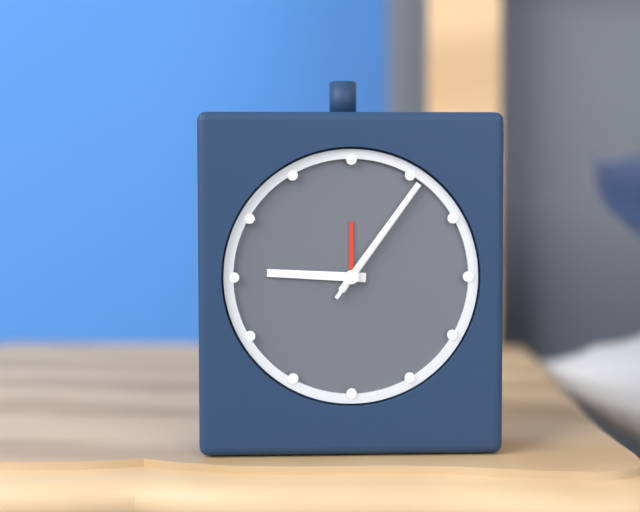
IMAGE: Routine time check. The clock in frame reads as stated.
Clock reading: 9:06:06
